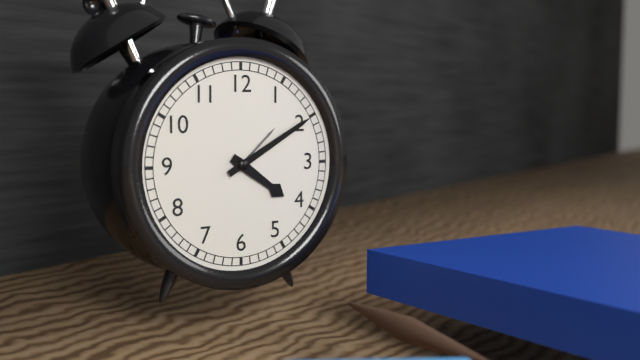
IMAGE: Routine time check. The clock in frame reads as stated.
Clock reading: 4:10
